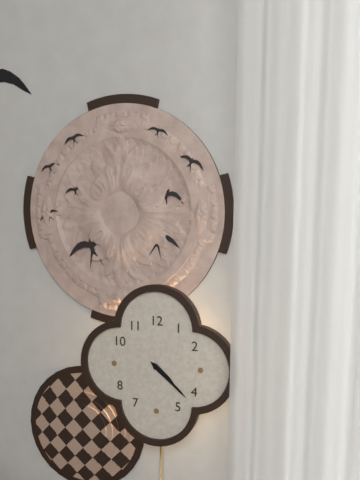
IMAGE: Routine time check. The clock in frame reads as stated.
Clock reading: 4:22
